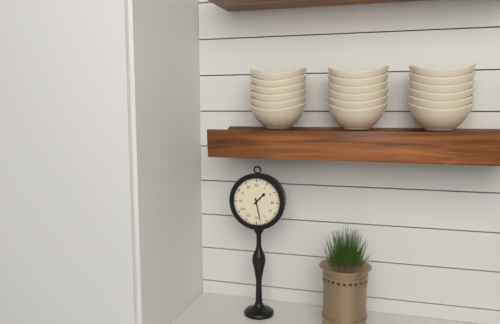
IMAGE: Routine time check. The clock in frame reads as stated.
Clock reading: 1:28
